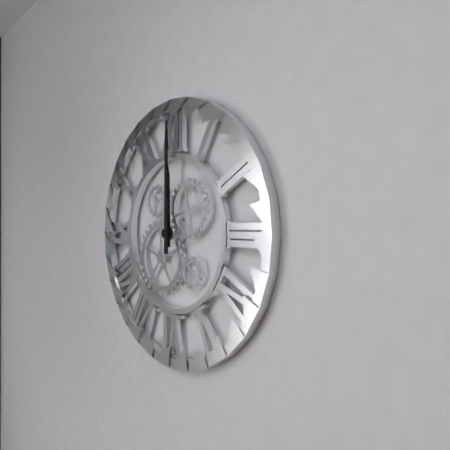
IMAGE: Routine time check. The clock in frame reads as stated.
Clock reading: 12:00
